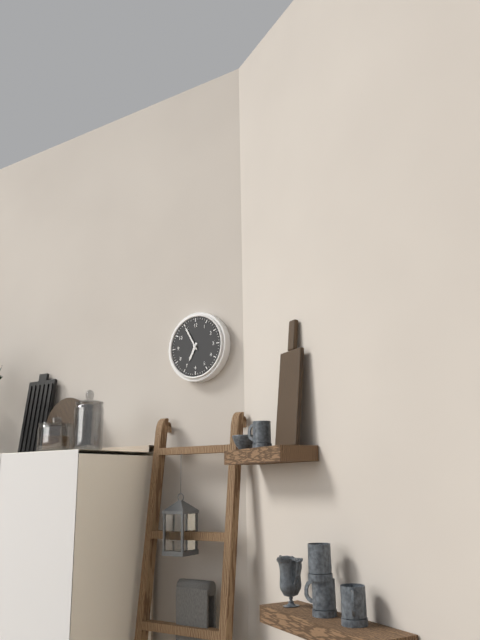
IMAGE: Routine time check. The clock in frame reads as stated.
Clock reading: 6:55
